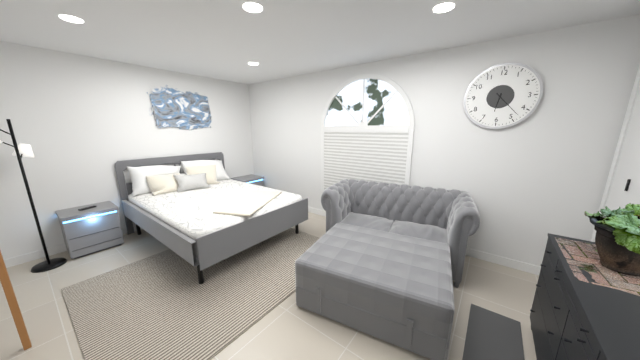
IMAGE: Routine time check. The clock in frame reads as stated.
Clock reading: 6:23
